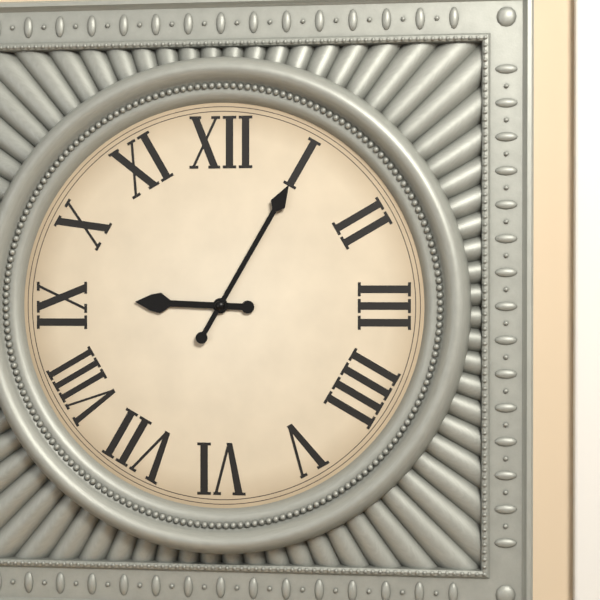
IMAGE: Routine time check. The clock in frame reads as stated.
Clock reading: 9:05
